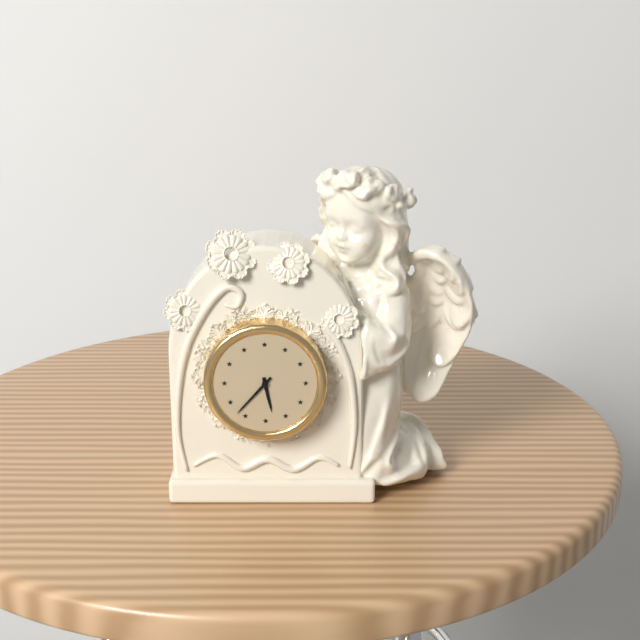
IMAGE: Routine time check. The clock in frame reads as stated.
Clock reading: 5:37
